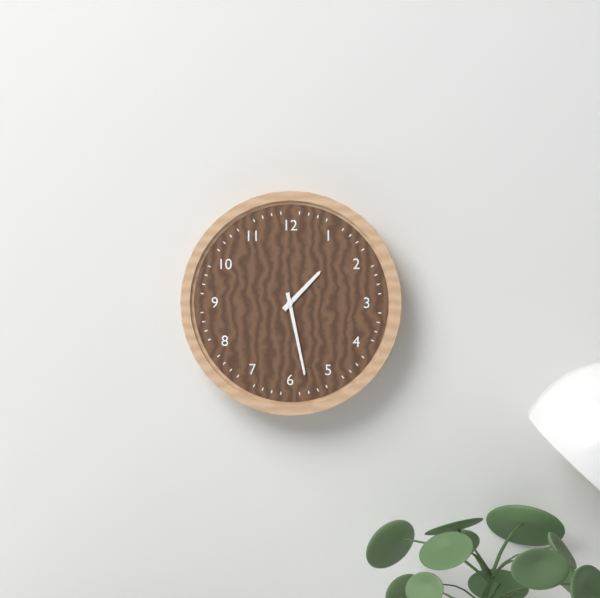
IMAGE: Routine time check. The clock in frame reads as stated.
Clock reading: 1:28
